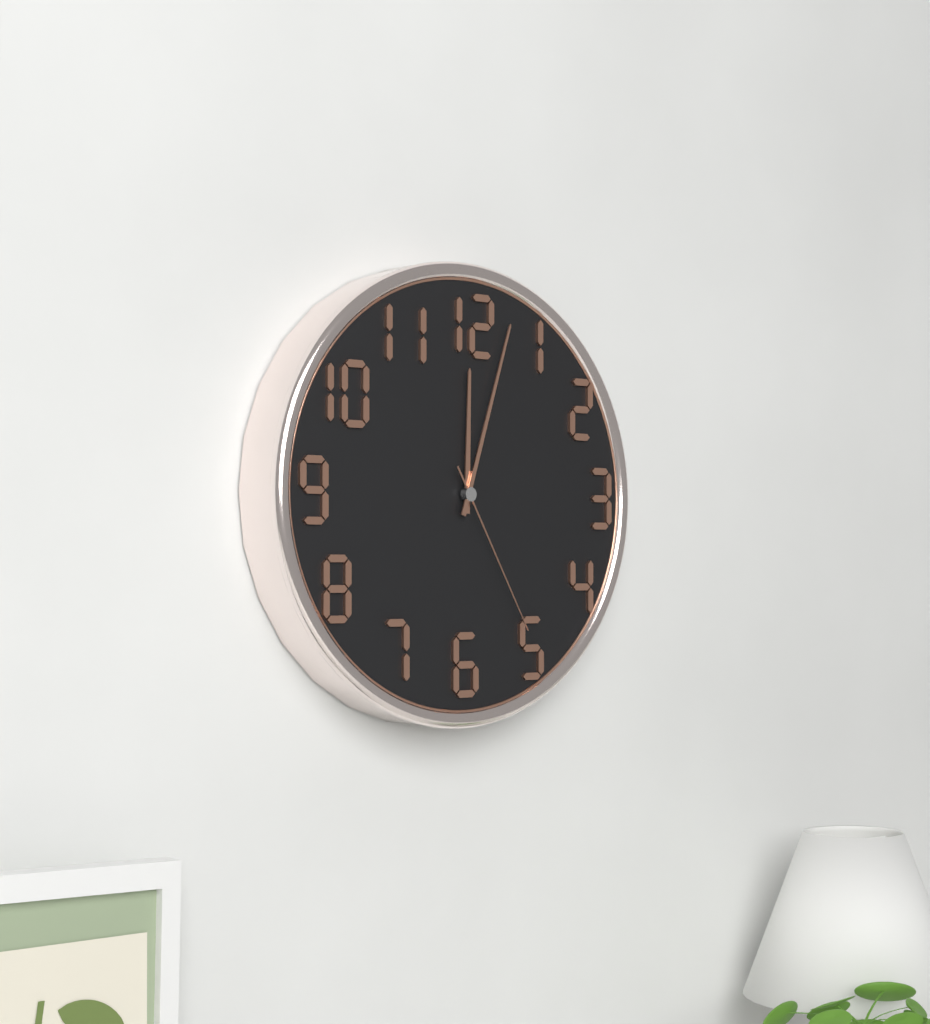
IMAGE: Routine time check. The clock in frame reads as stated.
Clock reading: 12:03:25
